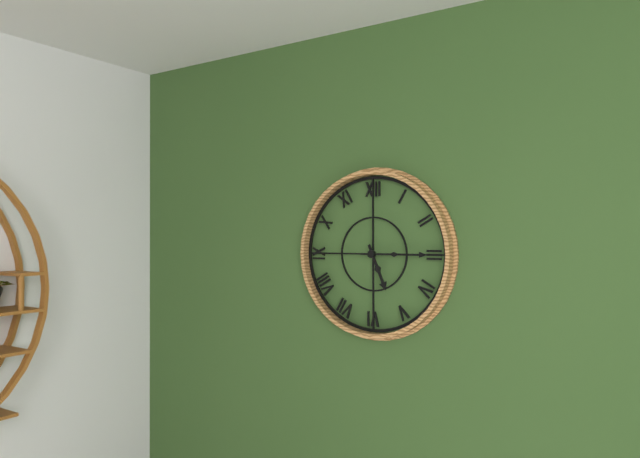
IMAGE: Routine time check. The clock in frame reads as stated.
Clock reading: 5:15
